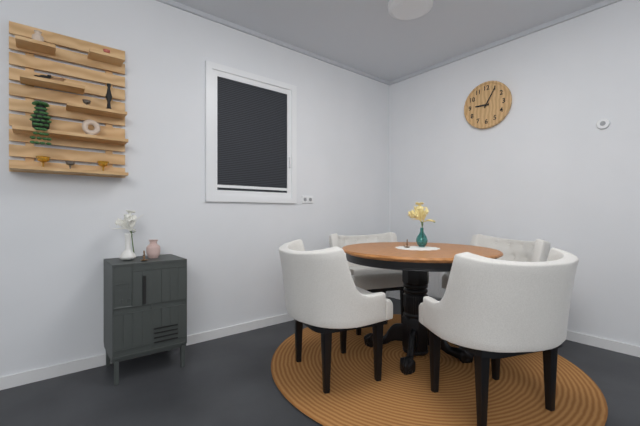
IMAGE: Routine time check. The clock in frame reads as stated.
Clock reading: 9:05
